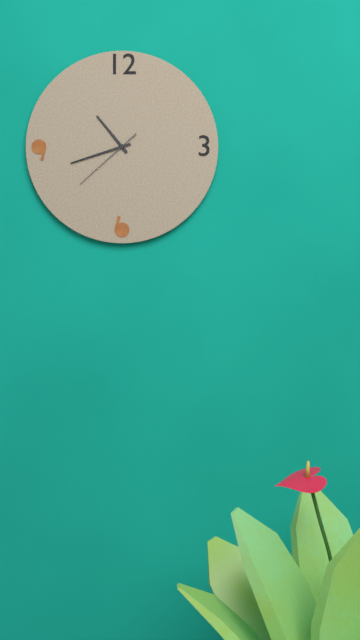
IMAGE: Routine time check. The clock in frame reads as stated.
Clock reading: 10:42:38
